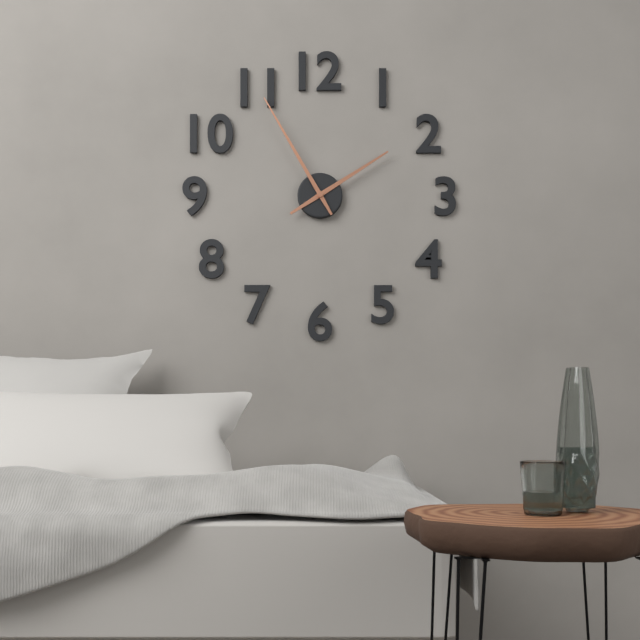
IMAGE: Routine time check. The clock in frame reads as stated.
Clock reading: 1:55
